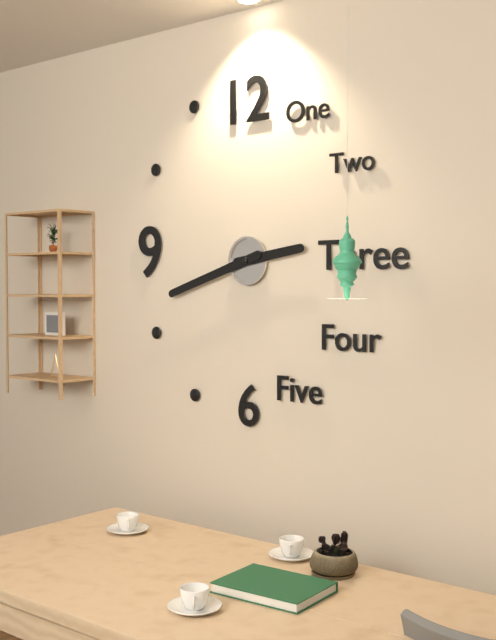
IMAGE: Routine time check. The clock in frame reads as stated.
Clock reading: 2:42
